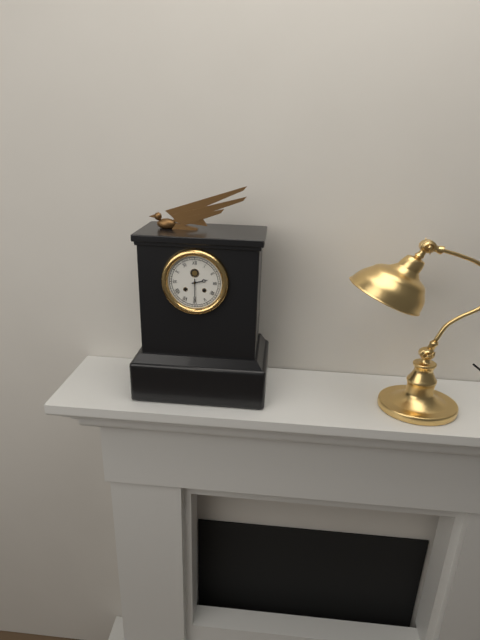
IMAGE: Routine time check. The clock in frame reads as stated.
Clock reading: 2:30
